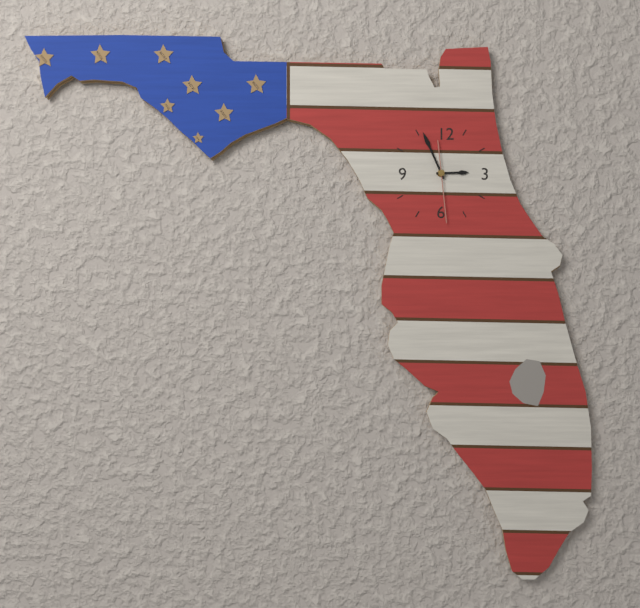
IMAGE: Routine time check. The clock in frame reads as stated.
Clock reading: 2:56:29
